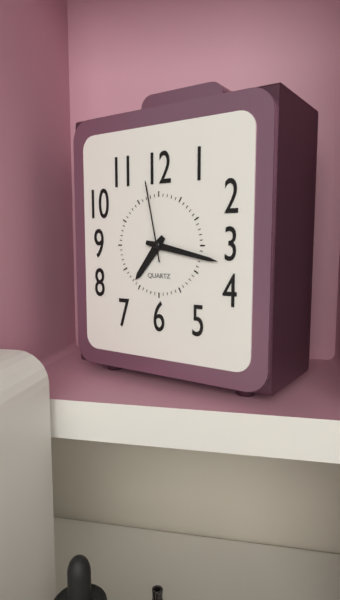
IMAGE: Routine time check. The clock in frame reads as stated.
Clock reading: 7:17:58
